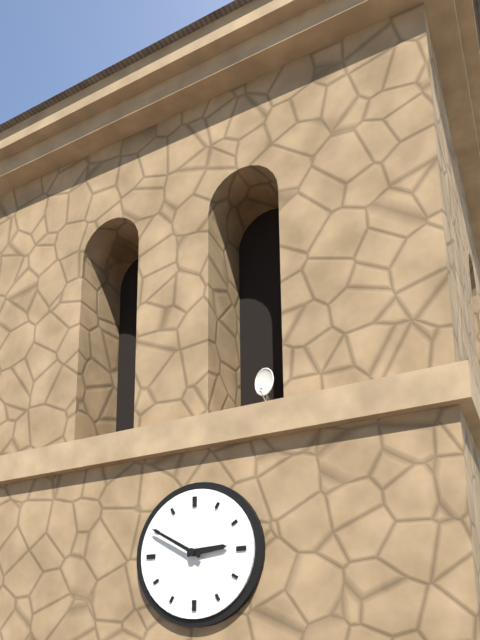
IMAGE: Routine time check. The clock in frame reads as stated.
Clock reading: 2:50
